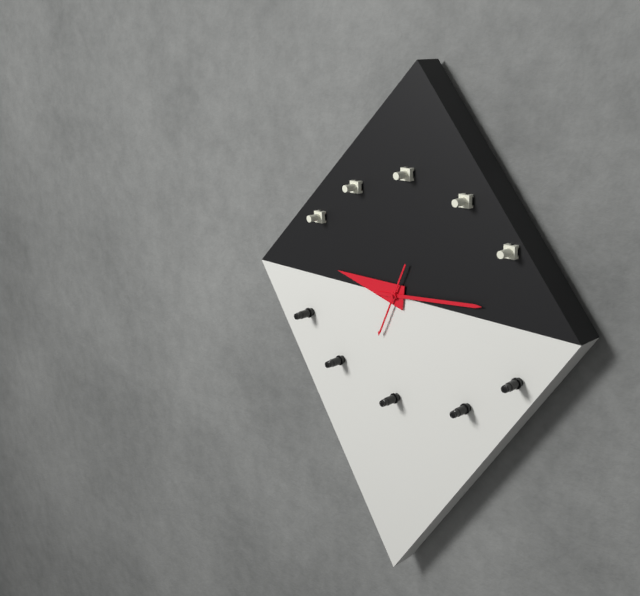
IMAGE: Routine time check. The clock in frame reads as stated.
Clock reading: 9:14:34
